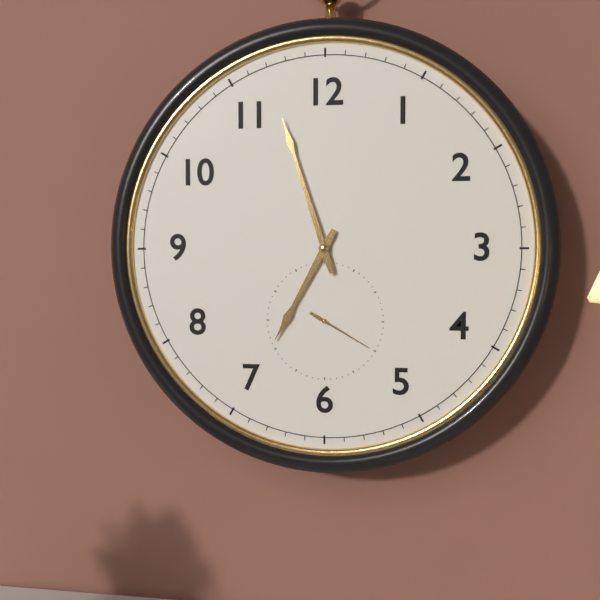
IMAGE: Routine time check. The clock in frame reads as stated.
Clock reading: 6:57:20
